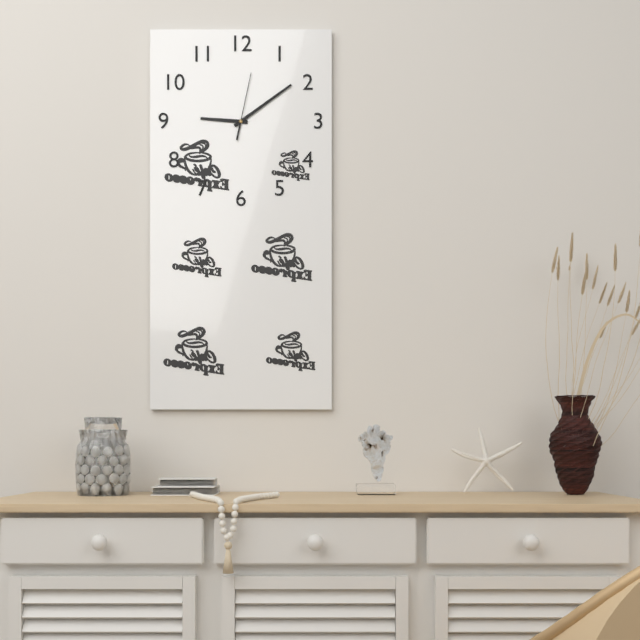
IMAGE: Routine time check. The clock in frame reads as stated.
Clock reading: 9:09:02
